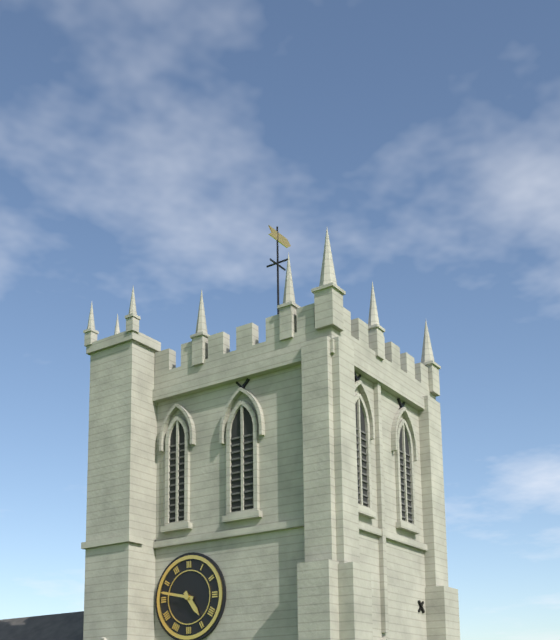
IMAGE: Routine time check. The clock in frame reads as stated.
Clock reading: 4:47
